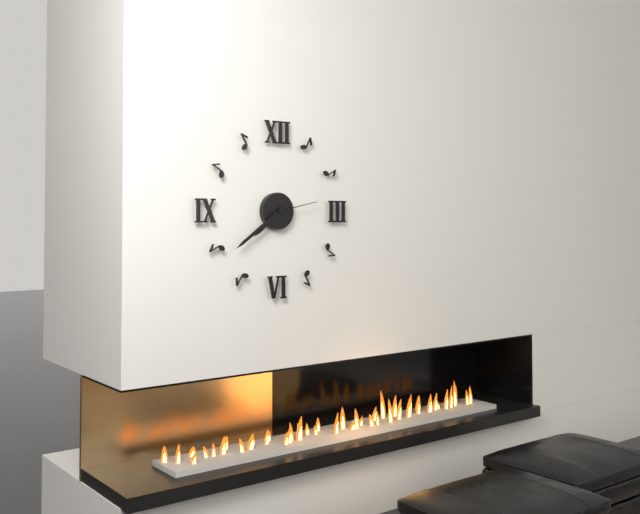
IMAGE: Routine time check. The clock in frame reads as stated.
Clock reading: 7:39:13
